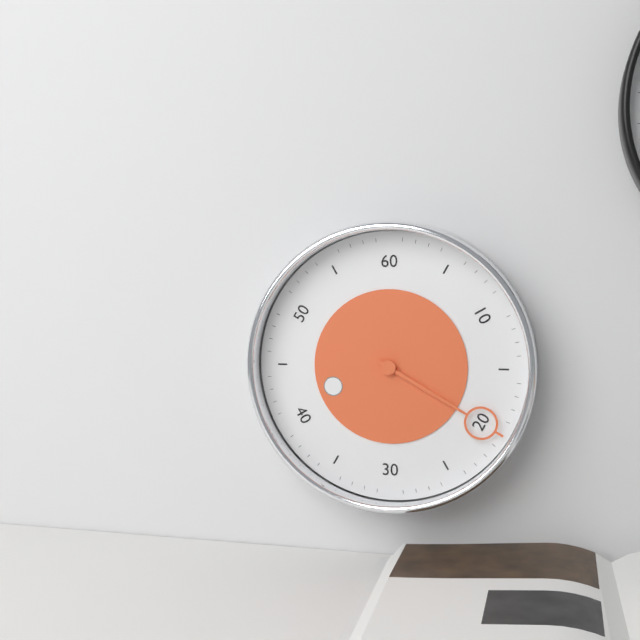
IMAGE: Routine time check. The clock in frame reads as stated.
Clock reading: 8:20
